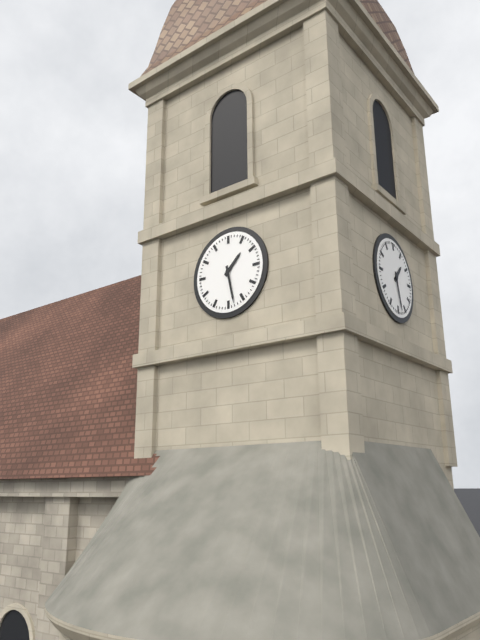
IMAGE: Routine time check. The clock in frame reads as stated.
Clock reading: 1:28
